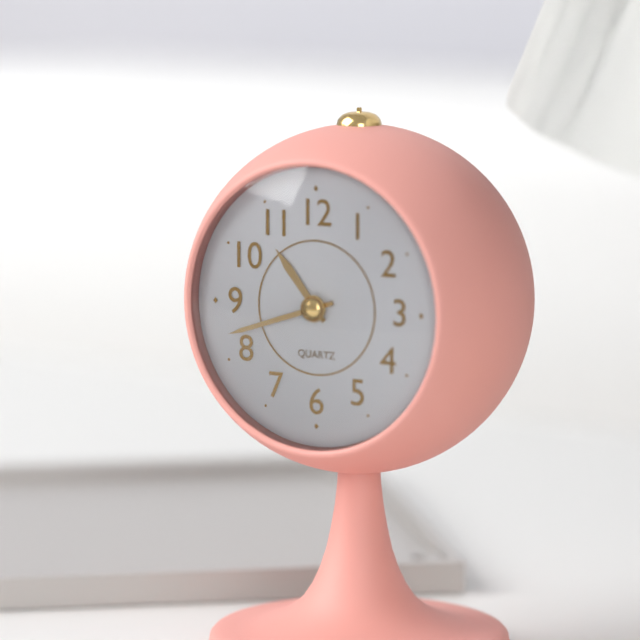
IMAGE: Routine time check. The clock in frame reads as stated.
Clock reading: 10:42
